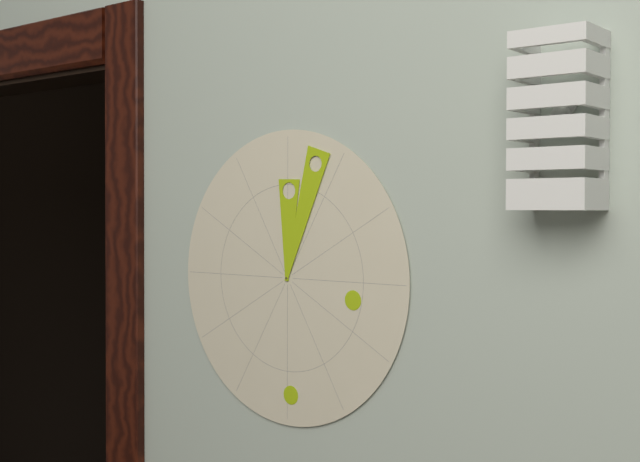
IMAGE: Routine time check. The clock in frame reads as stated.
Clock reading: 12:03
